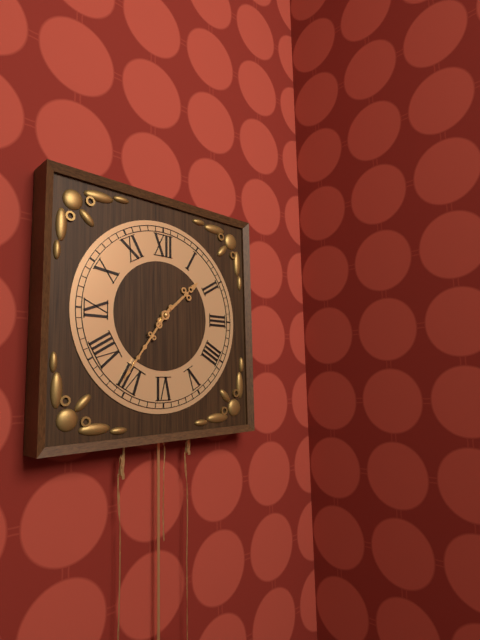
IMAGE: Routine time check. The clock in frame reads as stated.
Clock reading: 1:36
